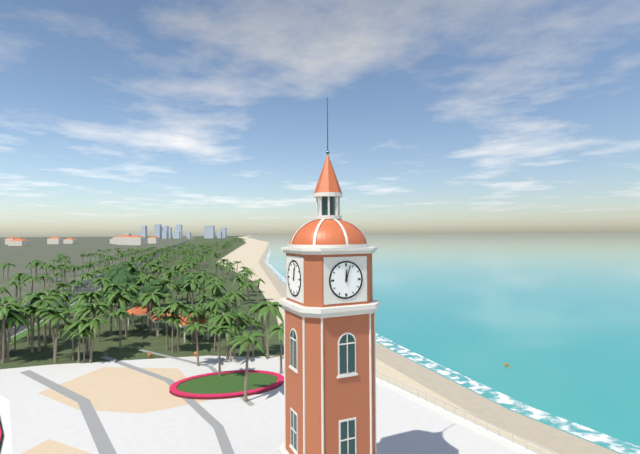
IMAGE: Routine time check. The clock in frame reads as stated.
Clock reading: 12:03
